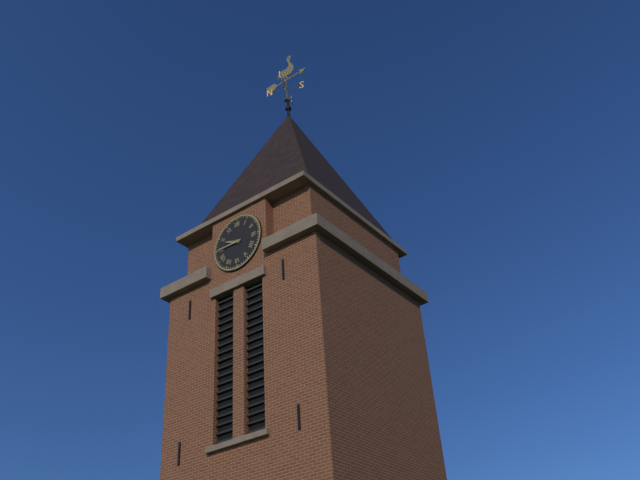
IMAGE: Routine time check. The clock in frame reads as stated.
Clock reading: 9:45
